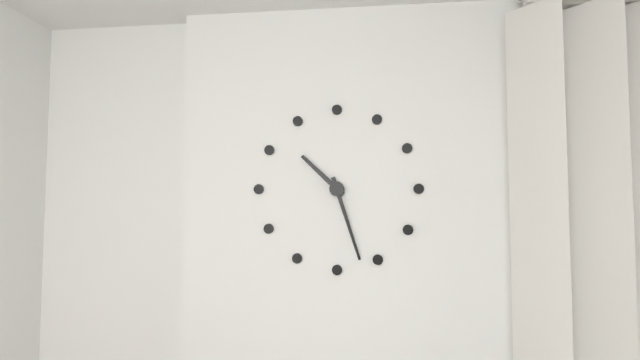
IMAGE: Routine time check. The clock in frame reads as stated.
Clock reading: 10:27
